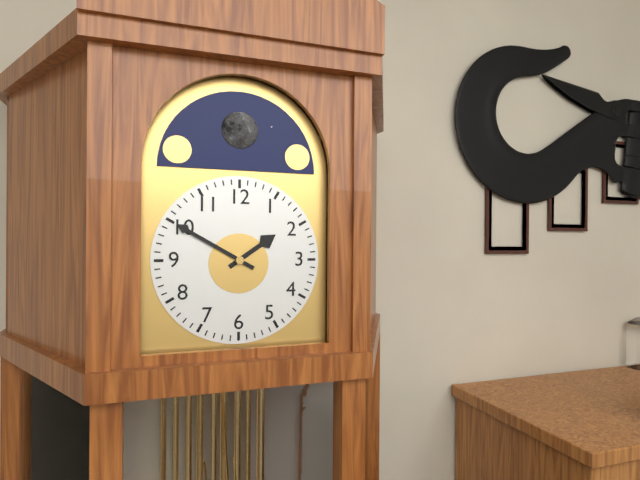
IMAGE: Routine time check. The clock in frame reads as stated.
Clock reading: 1:50
